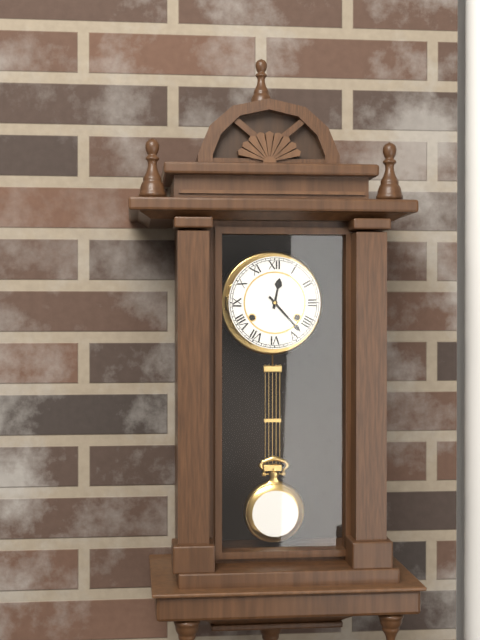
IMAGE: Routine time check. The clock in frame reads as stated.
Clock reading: 12:23
